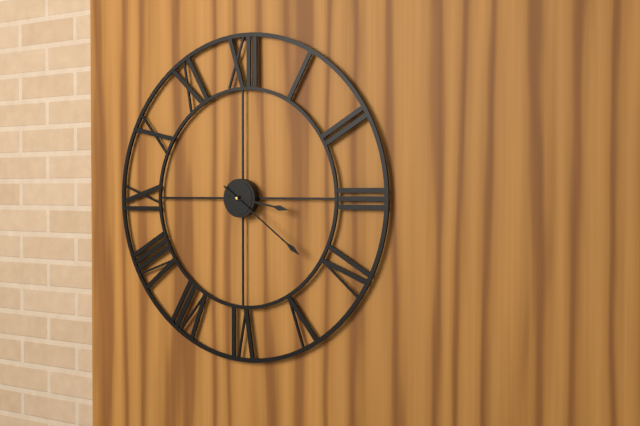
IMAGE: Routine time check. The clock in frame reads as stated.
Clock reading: 3:21
